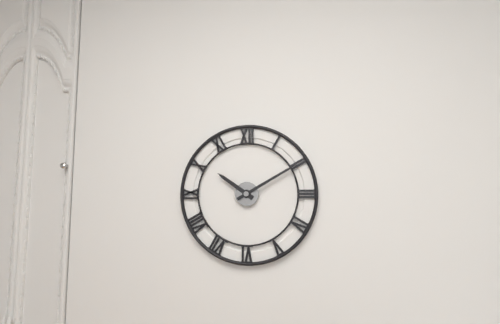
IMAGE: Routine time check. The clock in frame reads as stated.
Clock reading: 10:10
